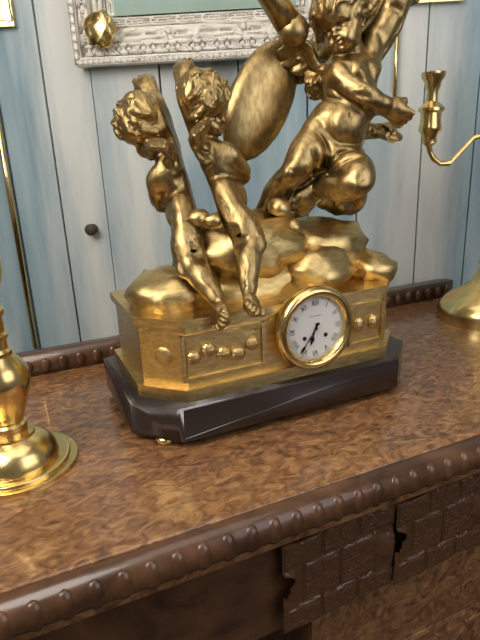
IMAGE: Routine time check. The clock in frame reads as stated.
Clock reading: 6:36
